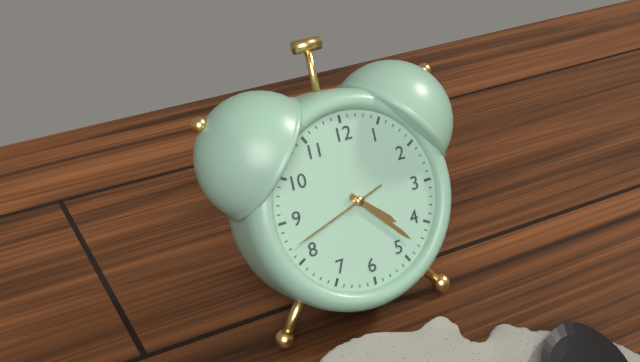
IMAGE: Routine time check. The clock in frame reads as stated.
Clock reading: 4:23:42
